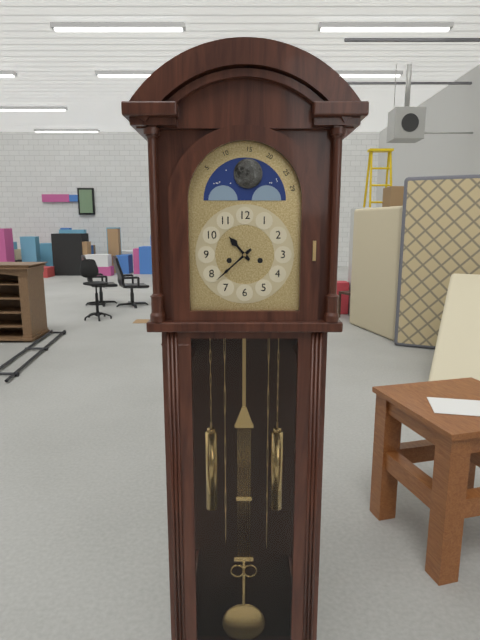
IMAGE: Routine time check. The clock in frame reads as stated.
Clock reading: 10:38
